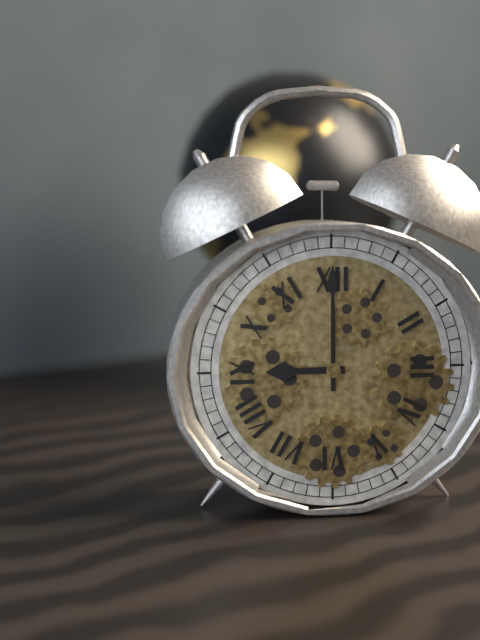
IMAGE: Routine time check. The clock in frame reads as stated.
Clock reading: 9:00
